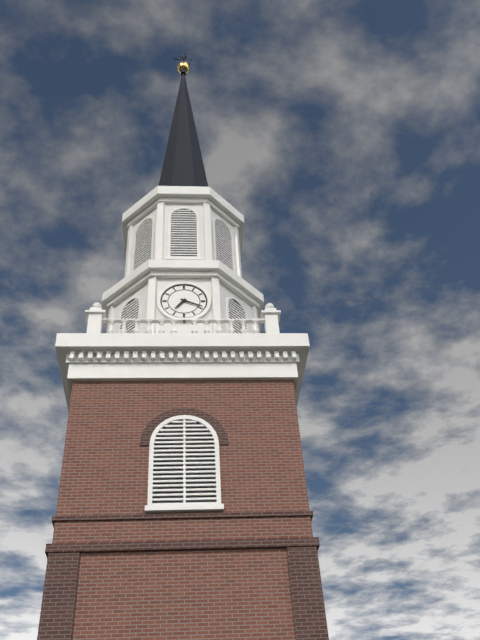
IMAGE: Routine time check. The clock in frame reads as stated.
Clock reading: 7:19
